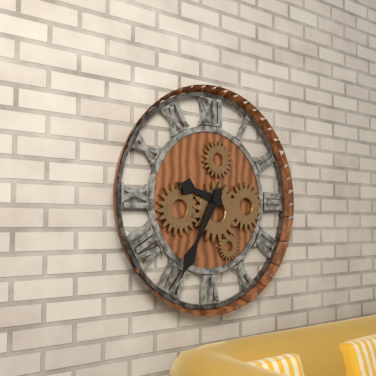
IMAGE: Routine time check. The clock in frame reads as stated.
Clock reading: 9:35
